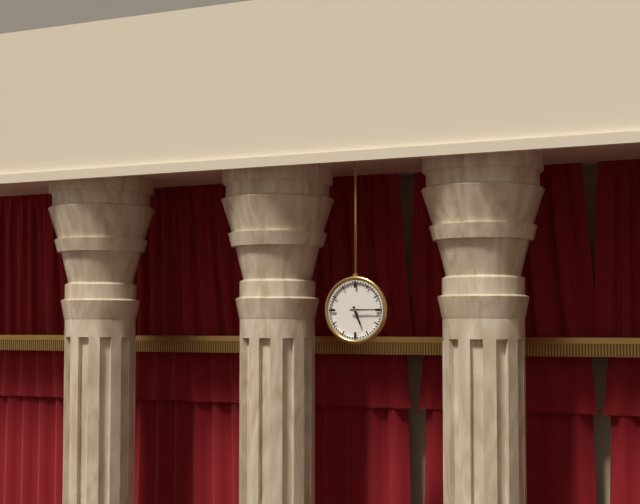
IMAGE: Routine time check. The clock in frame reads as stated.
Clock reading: 5:15
